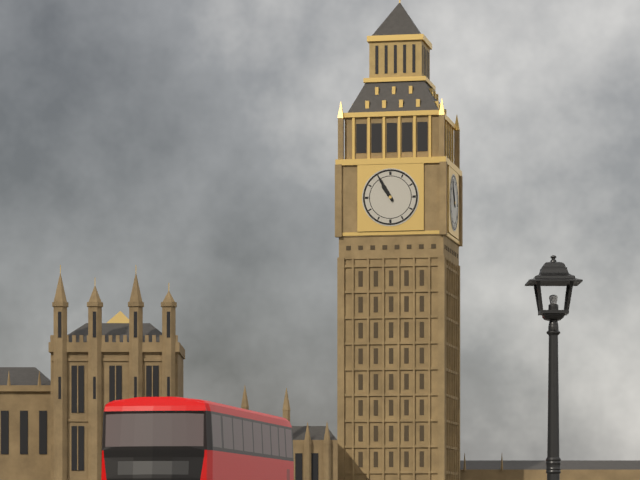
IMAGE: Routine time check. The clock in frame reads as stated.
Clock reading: 10:55
